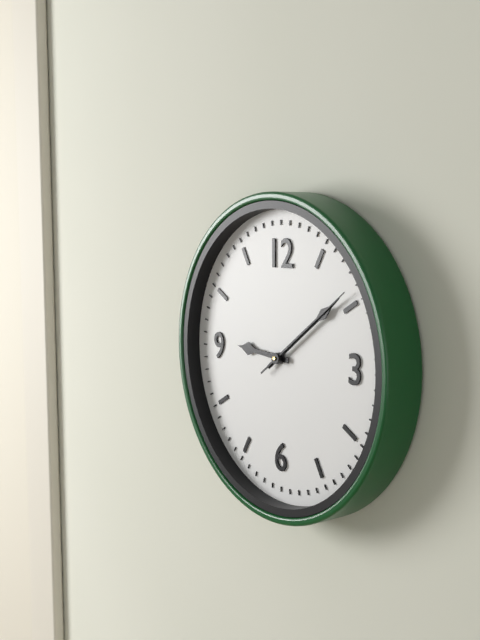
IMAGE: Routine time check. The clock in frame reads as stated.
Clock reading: 9:09:09
